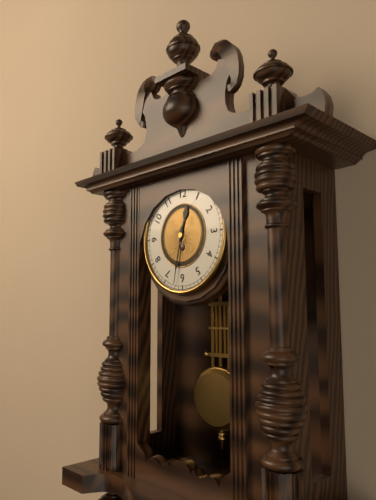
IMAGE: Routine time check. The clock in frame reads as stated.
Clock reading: 12:32
